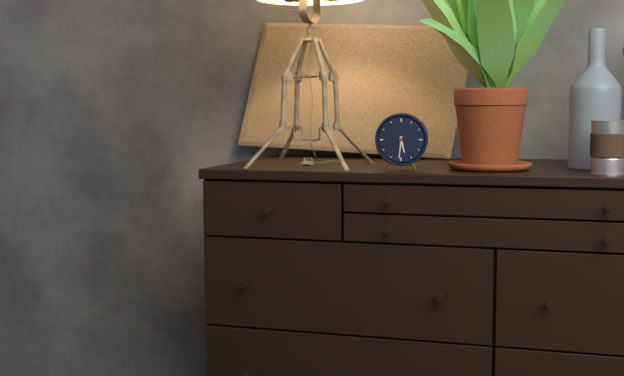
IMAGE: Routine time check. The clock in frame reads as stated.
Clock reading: 5:31
